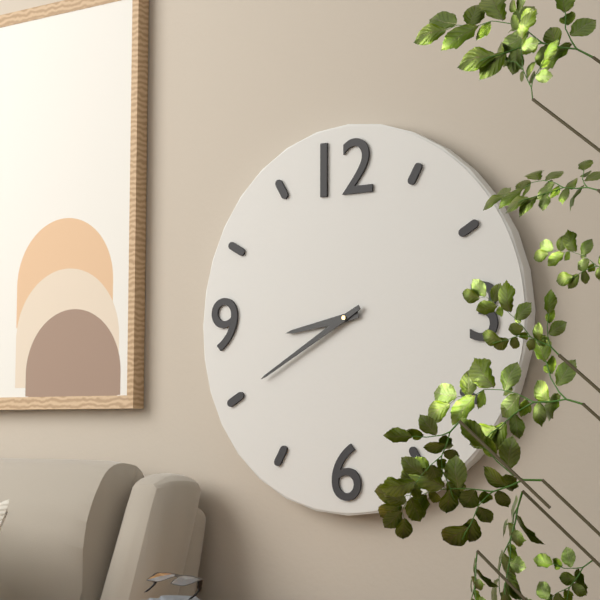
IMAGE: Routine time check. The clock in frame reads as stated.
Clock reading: 8:40
